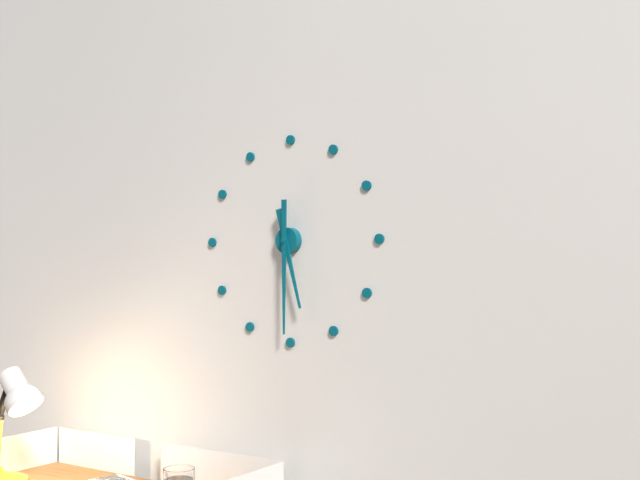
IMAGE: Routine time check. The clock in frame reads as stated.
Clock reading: 5:30
